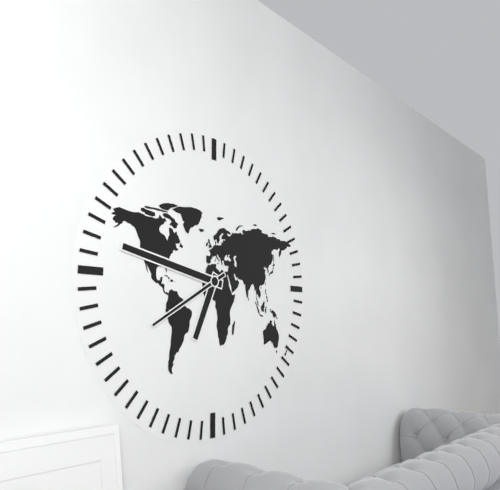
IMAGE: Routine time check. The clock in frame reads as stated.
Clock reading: 6:47:40
